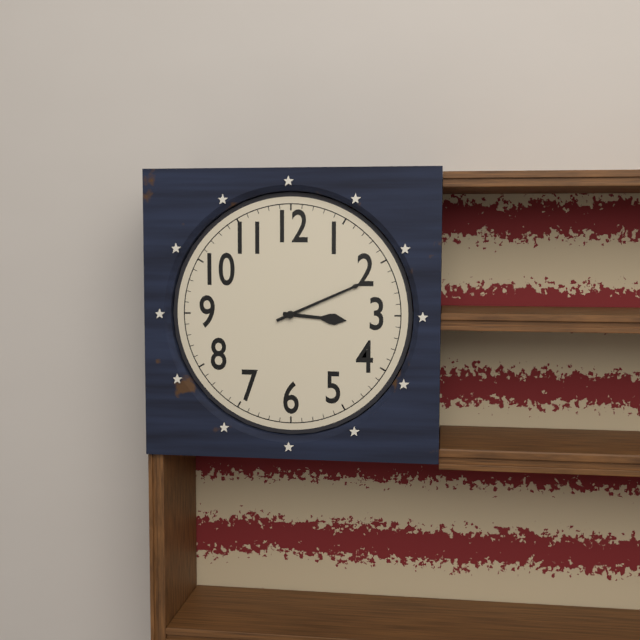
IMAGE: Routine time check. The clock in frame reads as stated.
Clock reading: 3:11
